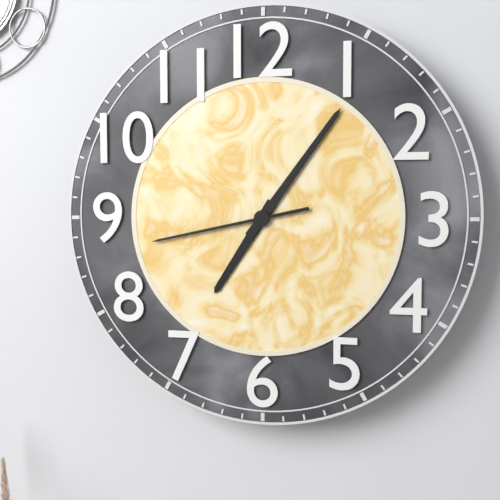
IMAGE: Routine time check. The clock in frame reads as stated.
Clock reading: 7:06:43
